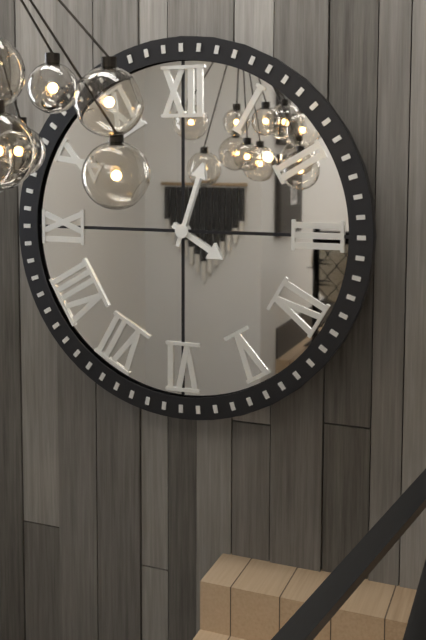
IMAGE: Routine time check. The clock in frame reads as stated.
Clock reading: 4:03
